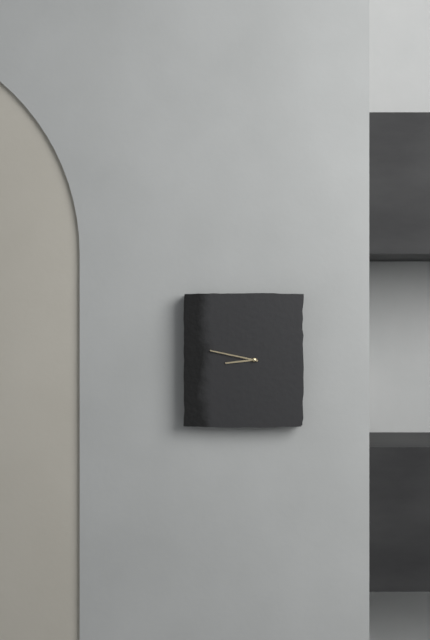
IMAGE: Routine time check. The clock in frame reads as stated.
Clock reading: 8:47
